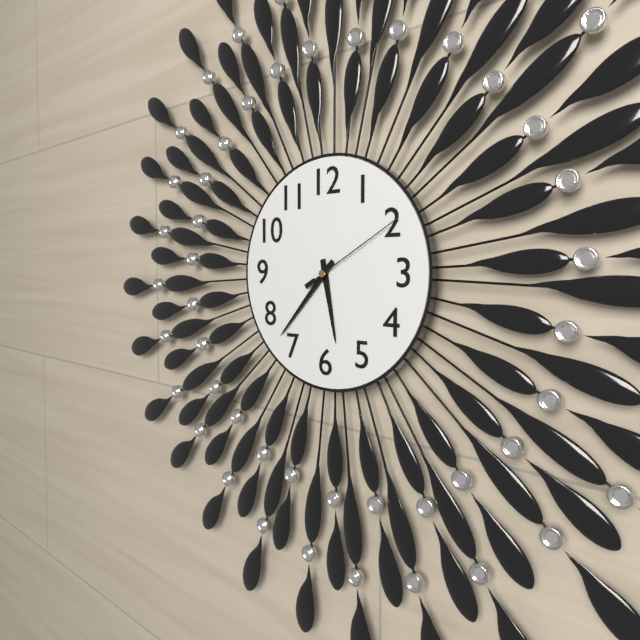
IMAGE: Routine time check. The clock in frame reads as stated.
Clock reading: 5:37:10
